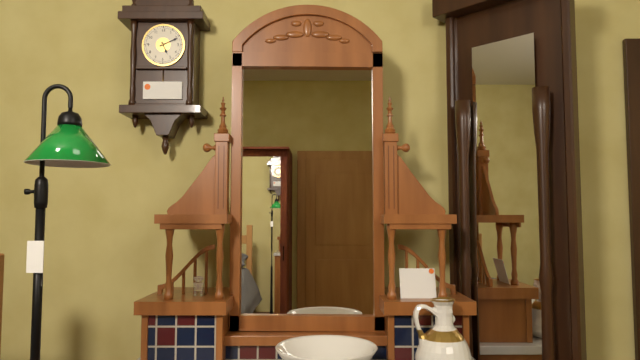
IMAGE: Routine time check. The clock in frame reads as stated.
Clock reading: 5:11
